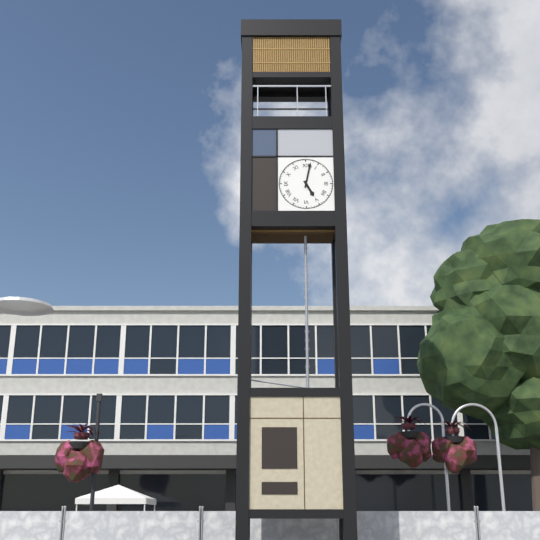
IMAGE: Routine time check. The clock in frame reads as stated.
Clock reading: 5:02
